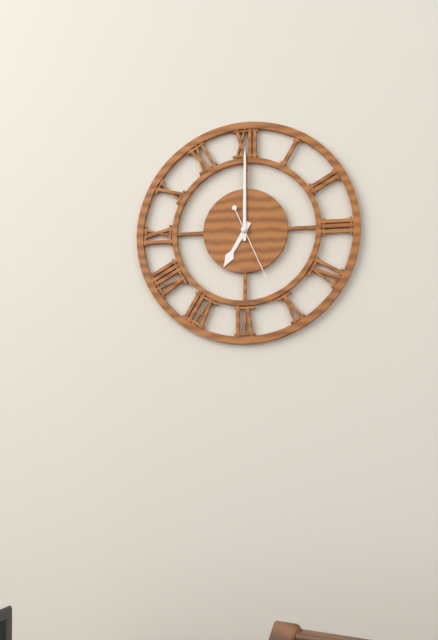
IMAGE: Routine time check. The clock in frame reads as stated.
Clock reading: 7:00:26
